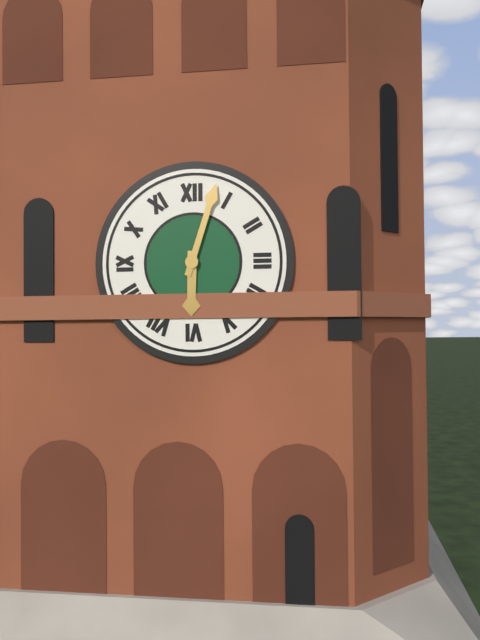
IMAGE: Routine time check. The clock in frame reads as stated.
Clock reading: 6:03
